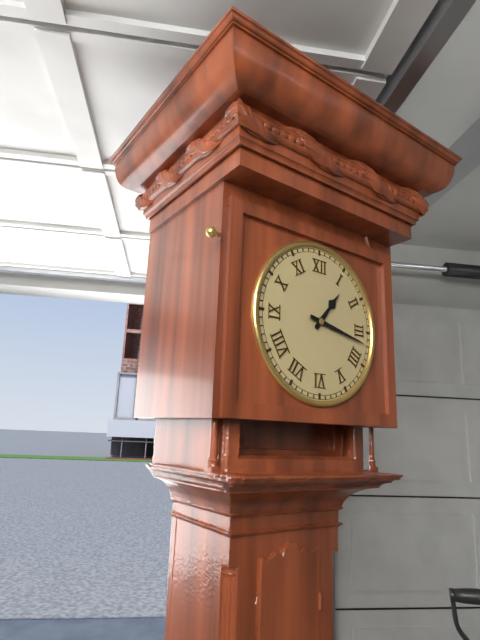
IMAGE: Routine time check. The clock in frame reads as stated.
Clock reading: 1:17
